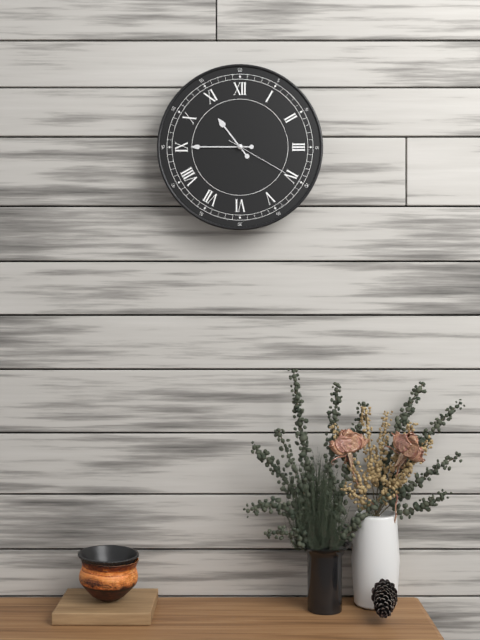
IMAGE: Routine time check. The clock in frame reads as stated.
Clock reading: 10:45:20
